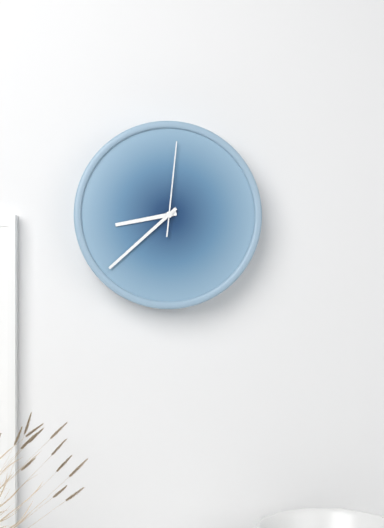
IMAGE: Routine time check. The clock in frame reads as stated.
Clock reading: 8:38:01
